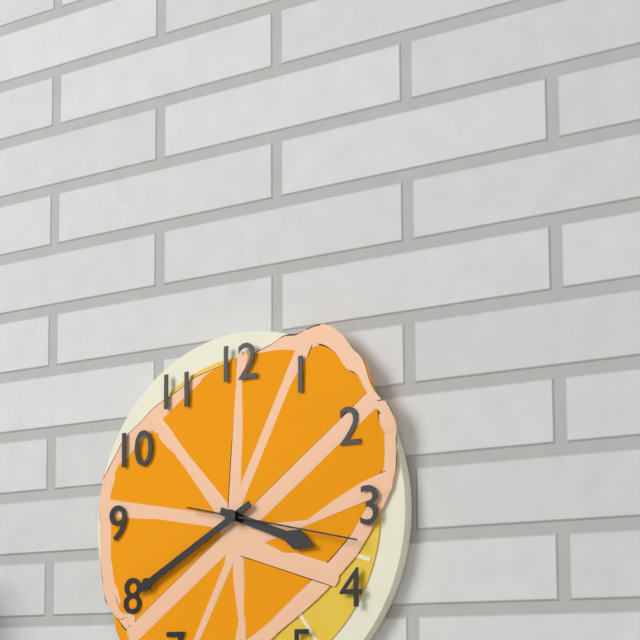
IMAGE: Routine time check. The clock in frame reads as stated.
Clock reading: 3:40:17
